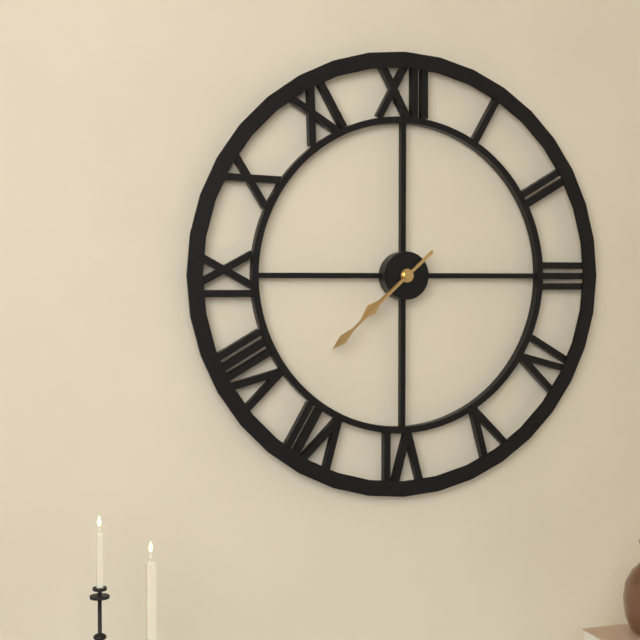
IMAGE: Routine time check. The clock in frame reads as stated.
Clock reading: 7:38
